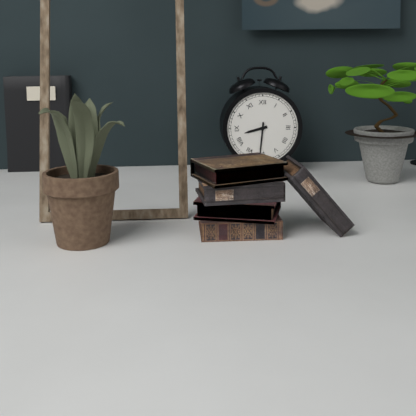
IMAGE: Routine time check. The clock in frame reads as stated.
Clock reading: 8:31
